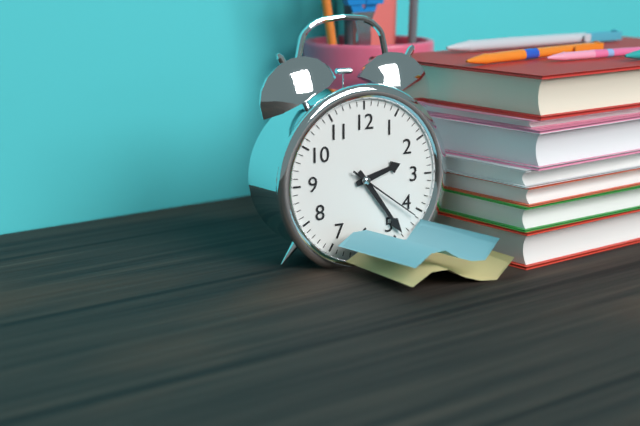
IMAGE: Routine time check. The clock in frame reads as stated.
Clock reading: 2:24:21
